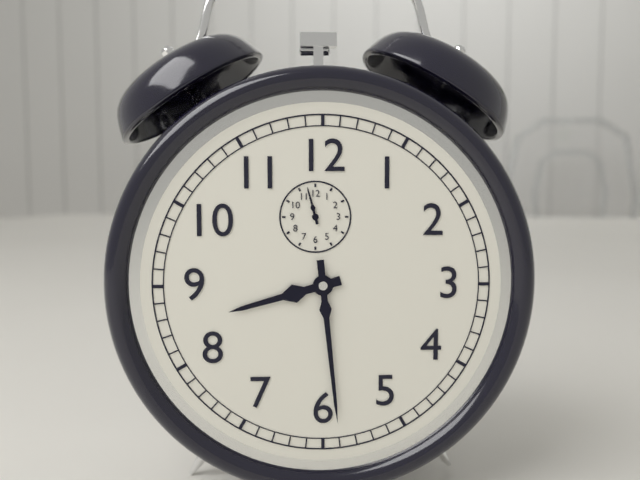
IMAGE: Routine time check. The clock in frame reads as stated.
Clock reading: 8:29
